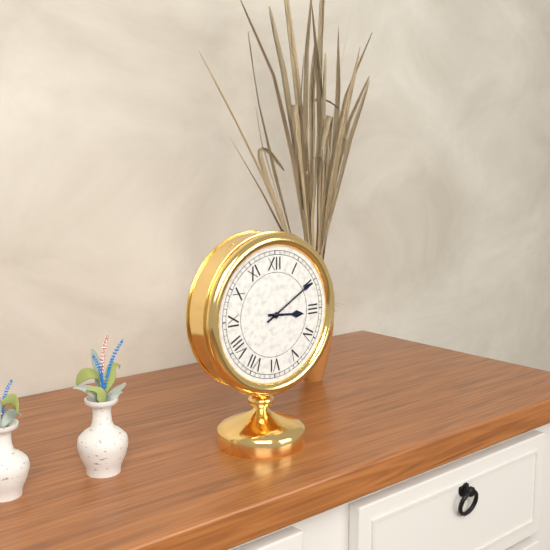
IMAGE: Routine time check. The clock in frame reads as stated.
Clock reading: 3:10
